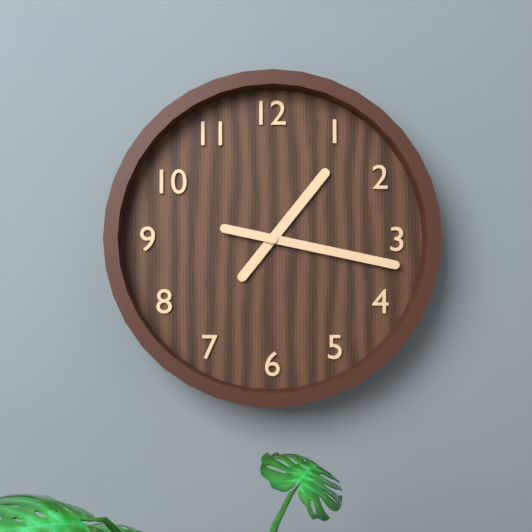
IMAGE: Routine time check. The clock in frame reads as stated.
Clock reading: 1:17
